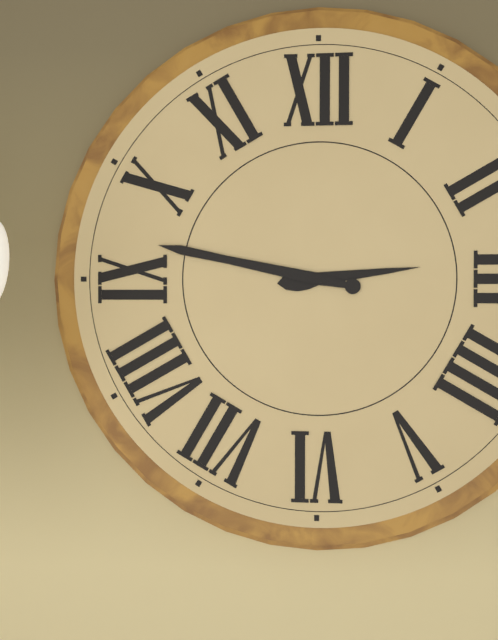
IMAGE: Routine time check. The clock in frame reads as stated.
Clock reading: 2:47
